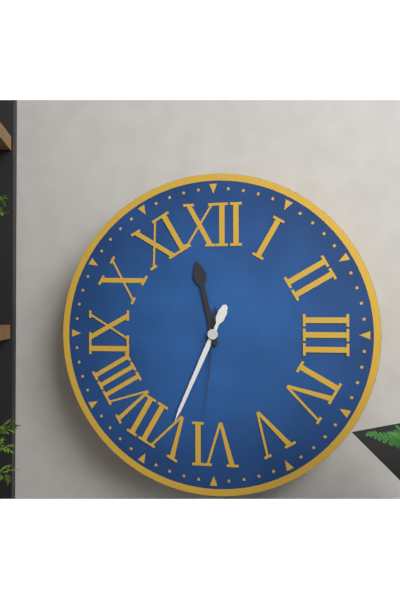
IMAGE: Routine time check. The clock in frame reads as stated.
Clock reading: 11:34:31
